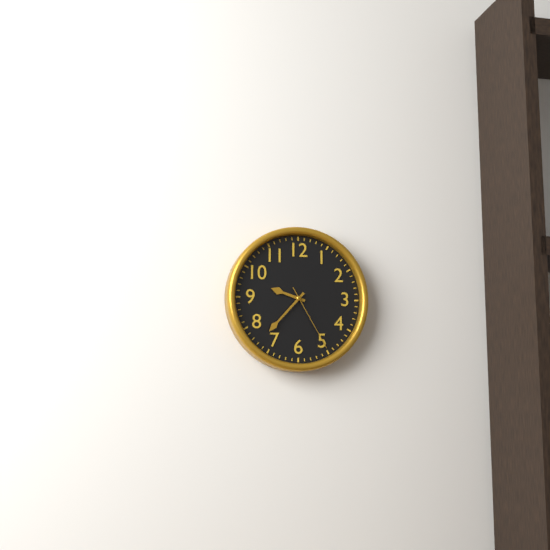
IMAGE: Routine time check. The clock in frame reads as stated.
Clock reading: 9:37:25
